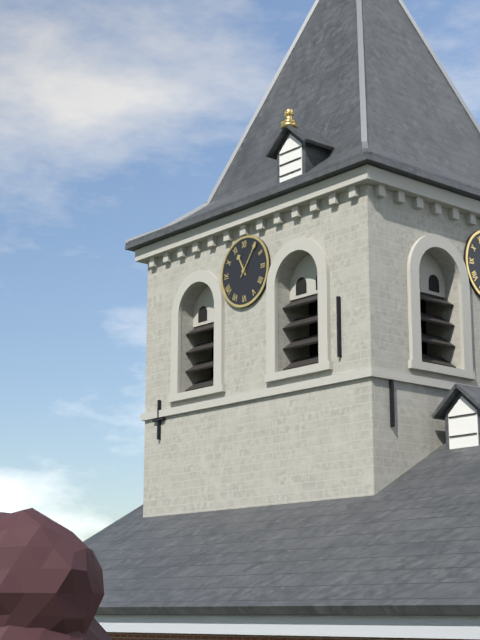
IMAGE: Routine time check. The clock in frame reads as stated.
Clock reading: 11:06
